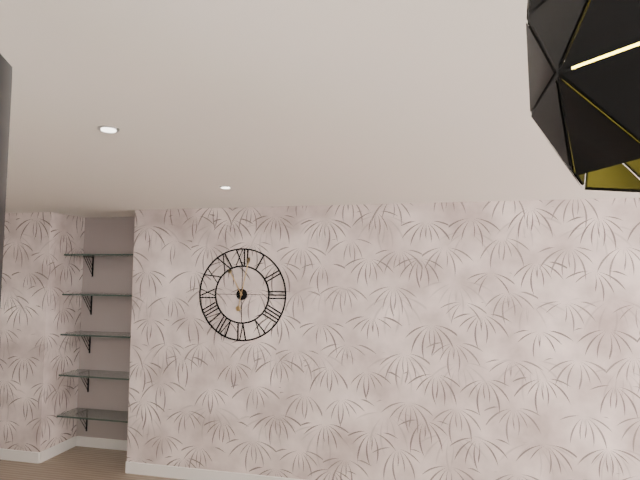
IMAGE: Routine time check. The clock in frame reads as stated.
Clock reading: 11:02
